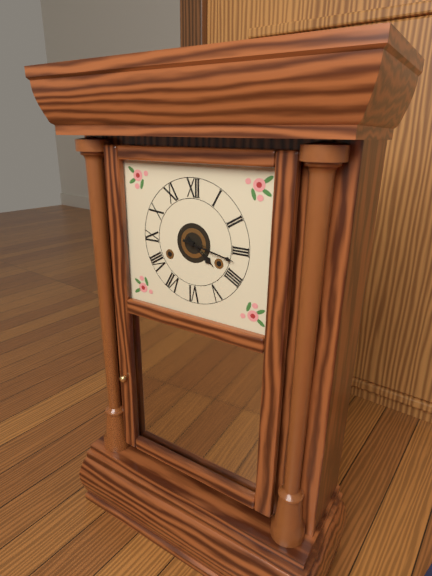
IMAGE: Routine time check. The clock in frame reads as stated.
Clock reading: 4:17
